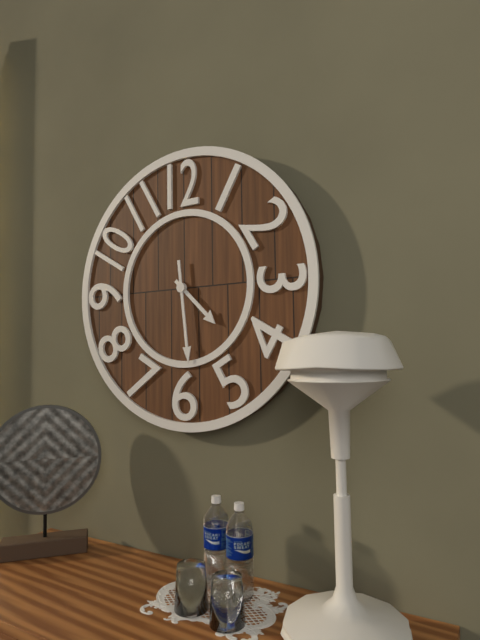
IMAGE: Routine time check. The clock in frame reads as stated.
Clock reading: 4:29
